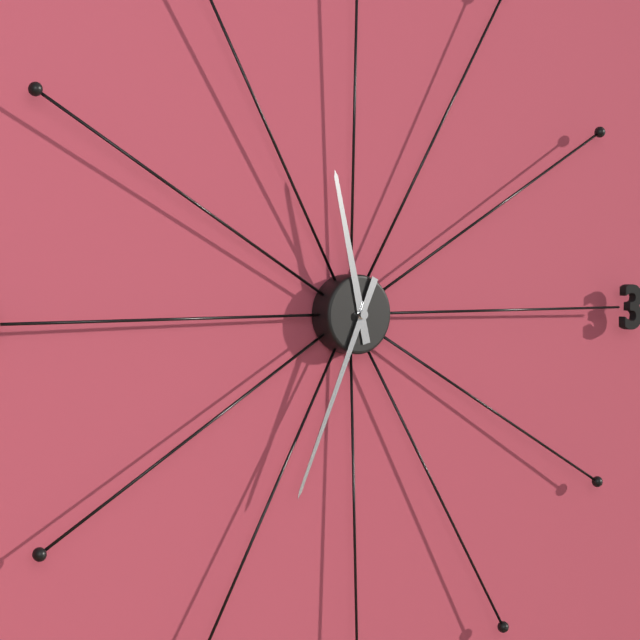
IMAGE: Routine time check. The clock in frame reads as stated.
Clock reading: 11:34
